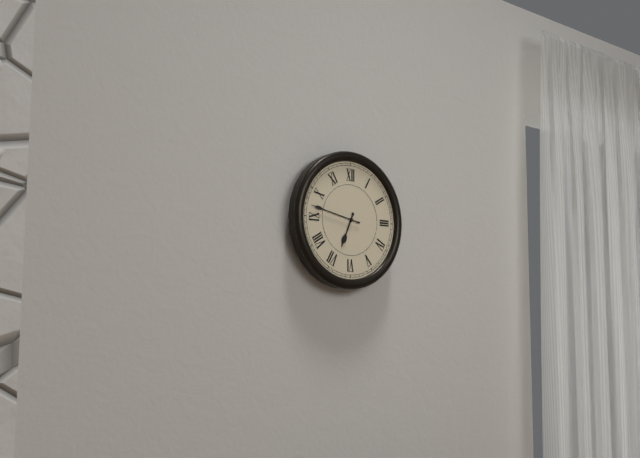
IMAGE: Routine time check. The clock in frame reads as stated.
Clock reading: 6:47
